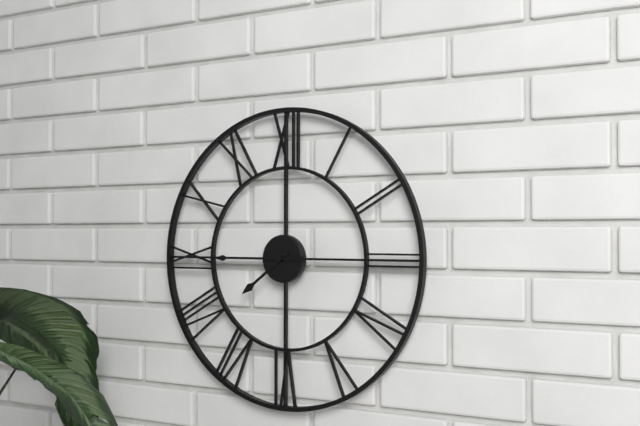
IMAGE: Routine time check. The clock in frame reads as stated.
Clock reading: 7:45
